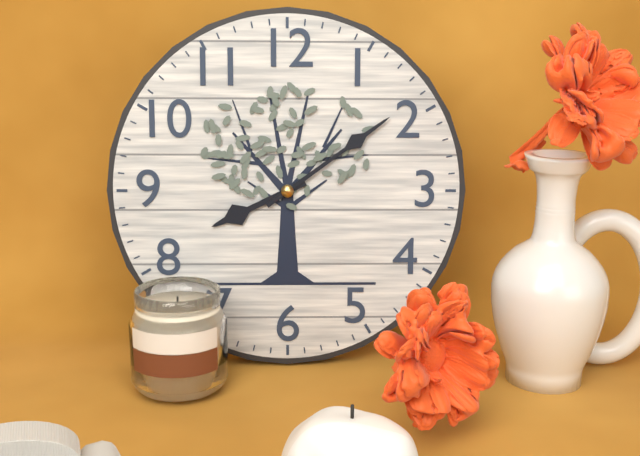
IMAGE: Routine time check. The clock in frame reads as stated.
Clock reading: 8:09
